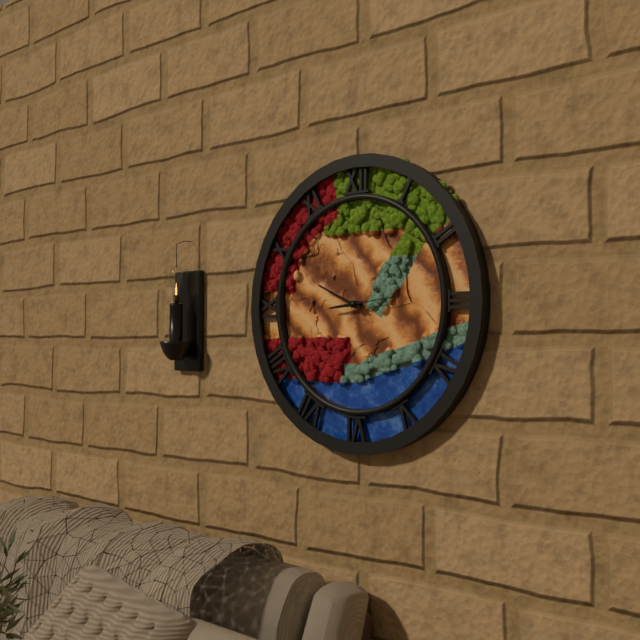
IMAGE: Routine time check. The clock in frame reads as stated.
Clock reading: 8:49
